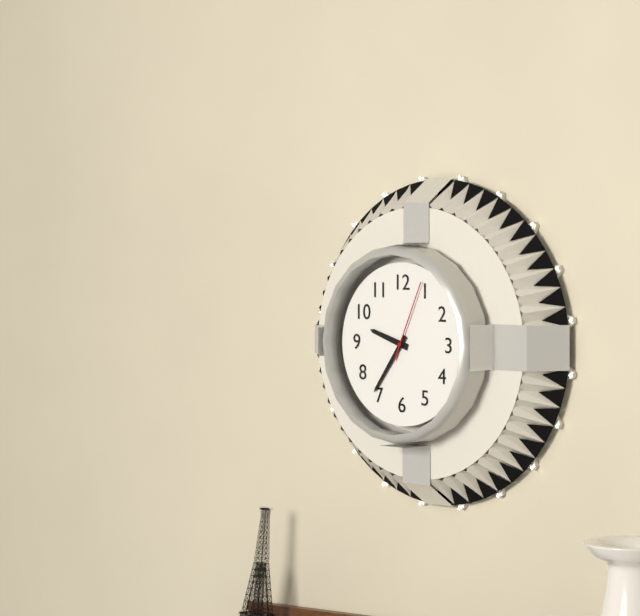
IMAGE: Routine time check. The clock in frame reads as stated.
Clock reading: 9:36:04
